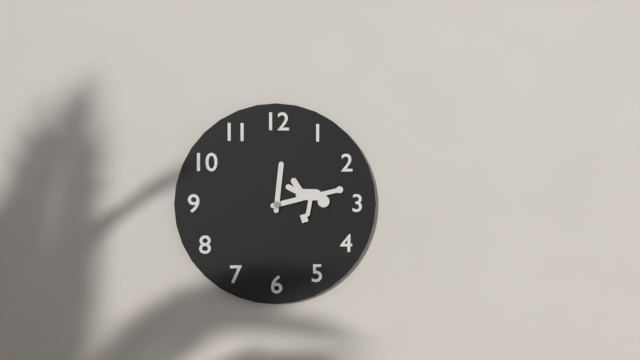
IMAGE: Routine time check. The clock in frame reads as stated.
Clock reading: 12:12
